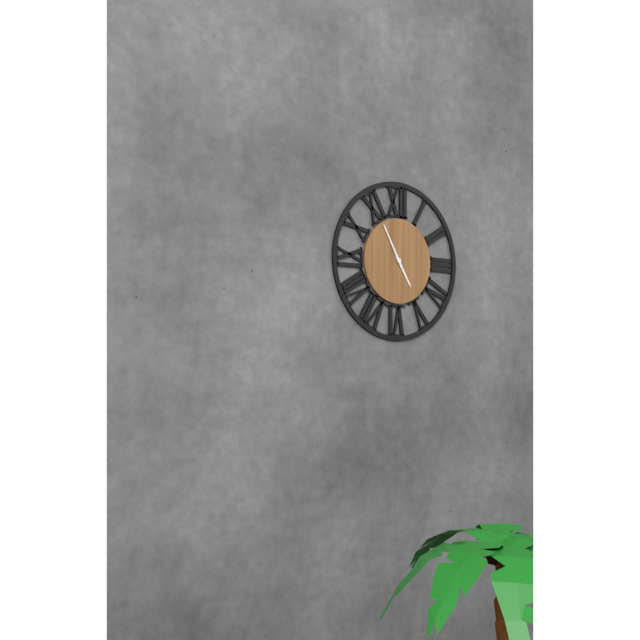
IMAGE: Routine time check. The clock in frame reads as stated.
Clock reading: 4:55
